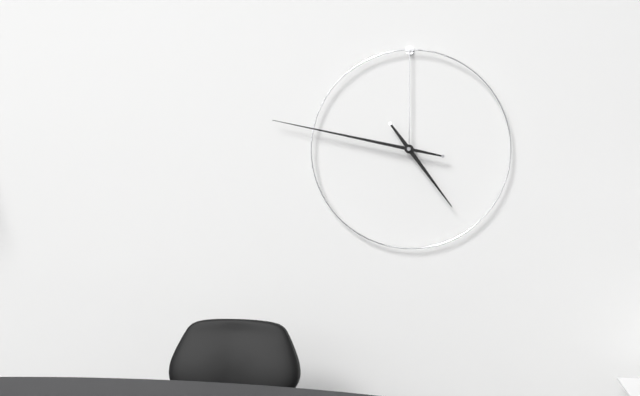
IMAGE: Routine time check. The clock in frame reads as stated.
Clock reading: 4:47
